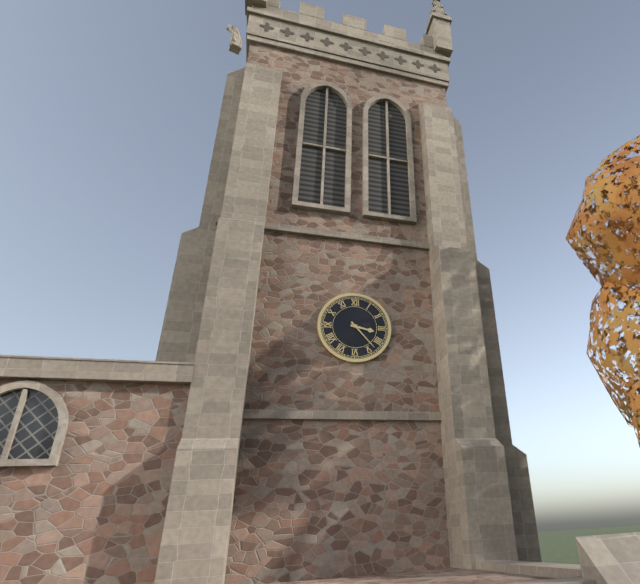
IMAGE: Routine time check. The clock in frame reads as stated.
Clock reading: 3:23
